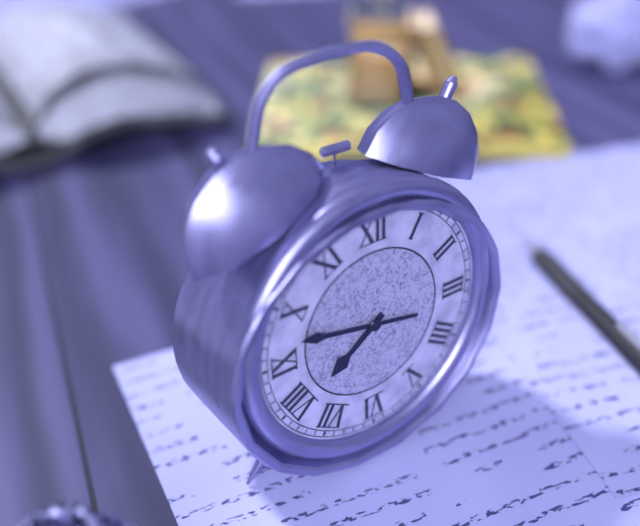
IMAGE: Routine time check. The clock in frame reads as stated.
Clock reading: 7:47
